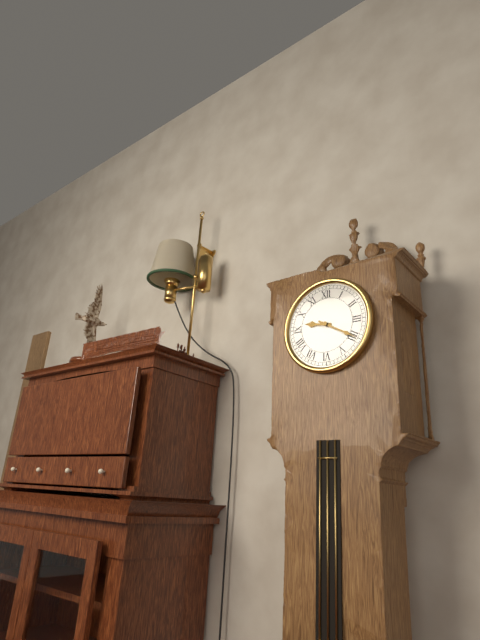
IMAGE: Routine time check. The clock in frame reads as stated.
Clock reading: 9:20
